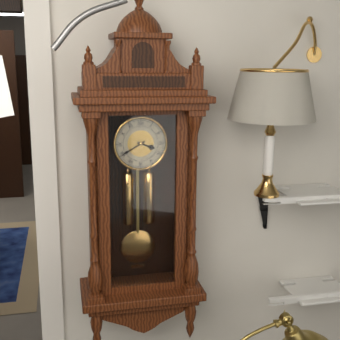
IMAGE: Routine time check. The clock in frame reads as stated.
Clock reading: 3:40
